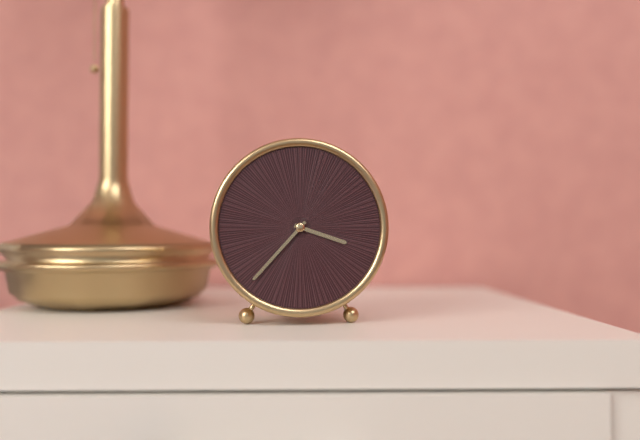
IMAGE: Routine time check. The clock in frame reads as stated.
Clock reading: 3:37
